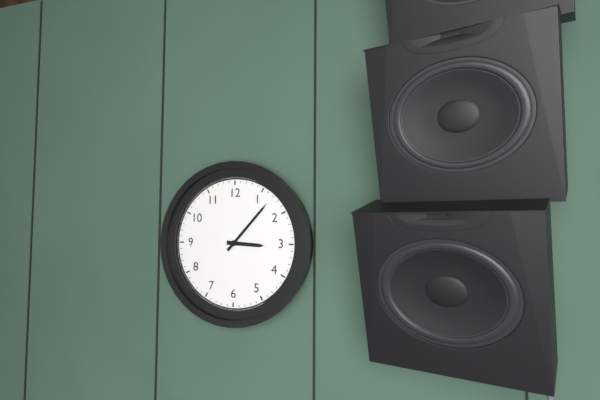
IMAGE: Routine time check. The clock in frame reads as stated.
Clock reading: 3:07
